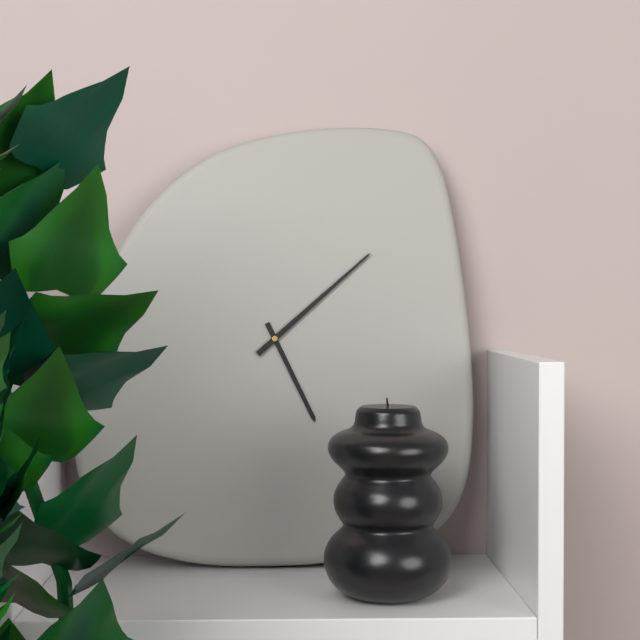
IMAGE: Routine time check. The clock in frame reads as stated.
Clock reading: 5:08
